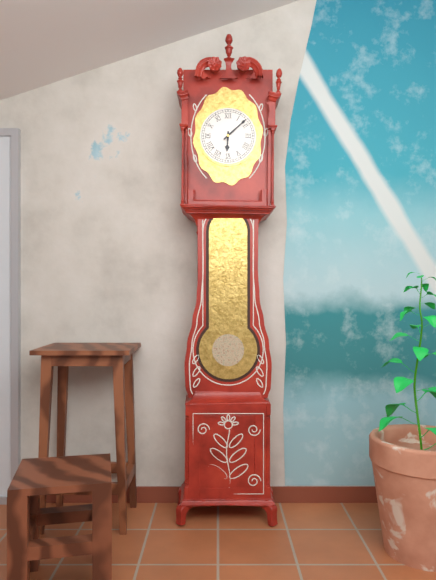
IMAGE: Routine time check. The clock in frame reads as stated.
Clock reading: 6:08
